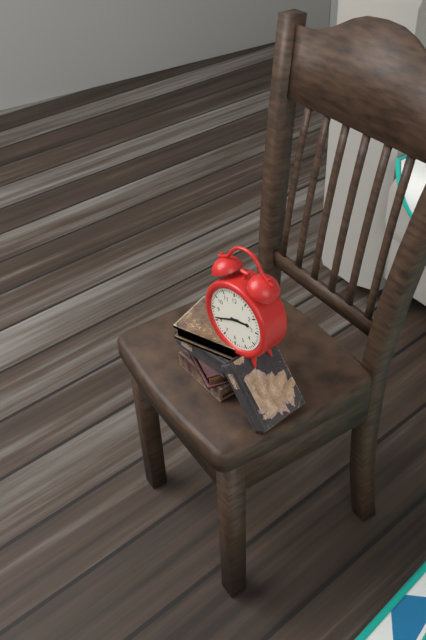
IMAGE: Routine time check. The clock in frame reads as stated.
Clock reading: 2:41
